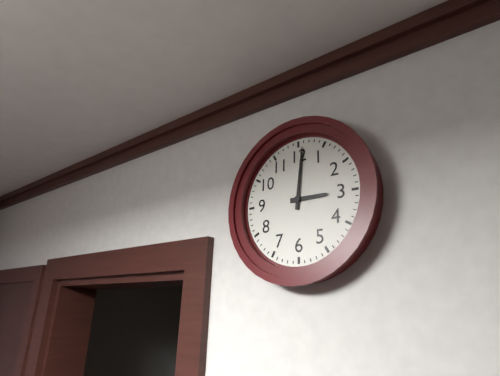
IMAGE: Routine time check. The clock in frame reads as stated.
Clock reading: 3:01
